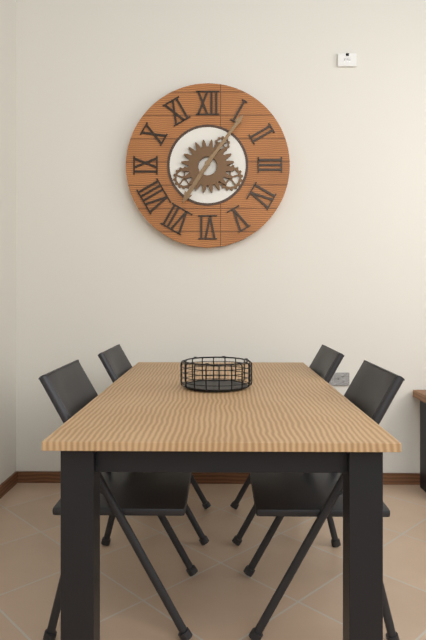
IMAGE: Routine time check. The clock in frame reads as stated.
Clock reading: 7:06
